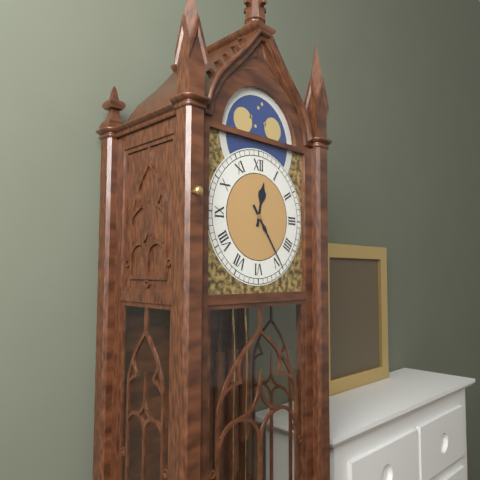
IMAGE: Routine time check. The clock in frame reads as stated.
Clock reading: 12:24
